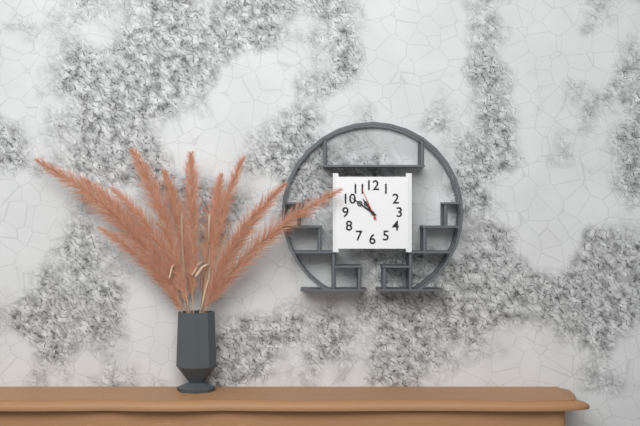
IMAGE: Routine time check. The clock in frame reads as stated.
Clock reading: 10:51
